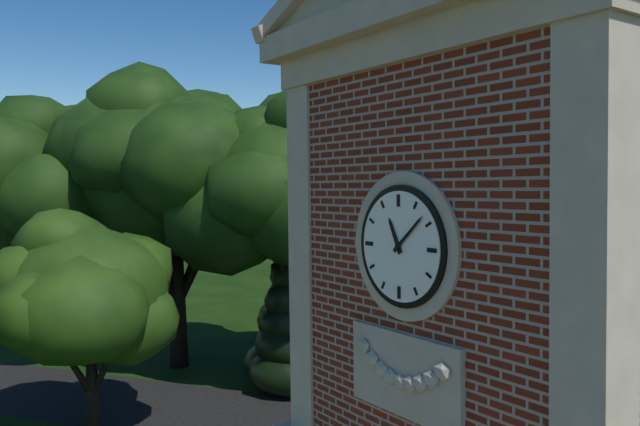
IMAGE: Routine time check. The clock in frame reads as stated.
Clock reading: 11:08
